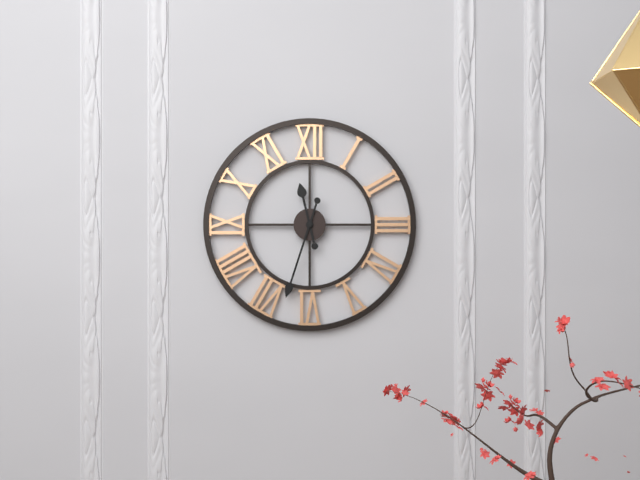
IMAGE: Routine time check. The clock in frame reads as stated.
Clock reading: 11:33
